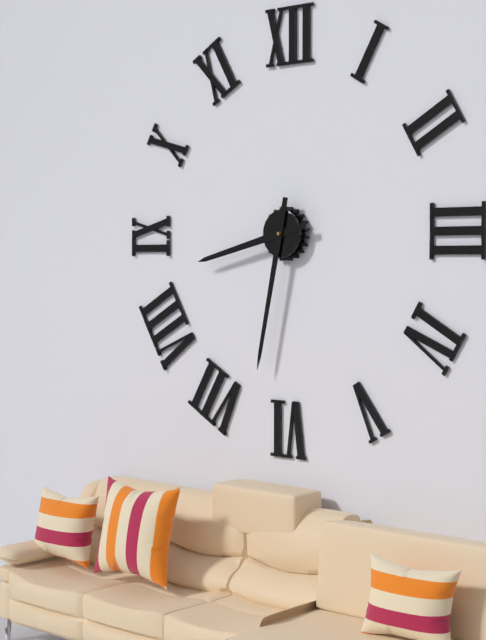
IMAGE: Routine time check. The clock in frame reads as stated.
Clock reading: 8:32
